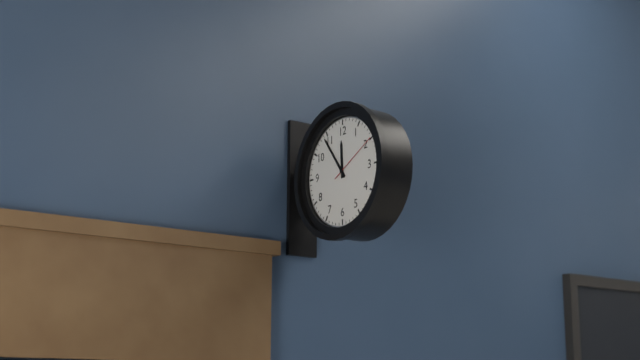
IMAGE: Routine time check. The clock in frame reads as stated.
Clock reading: 11:54:10
